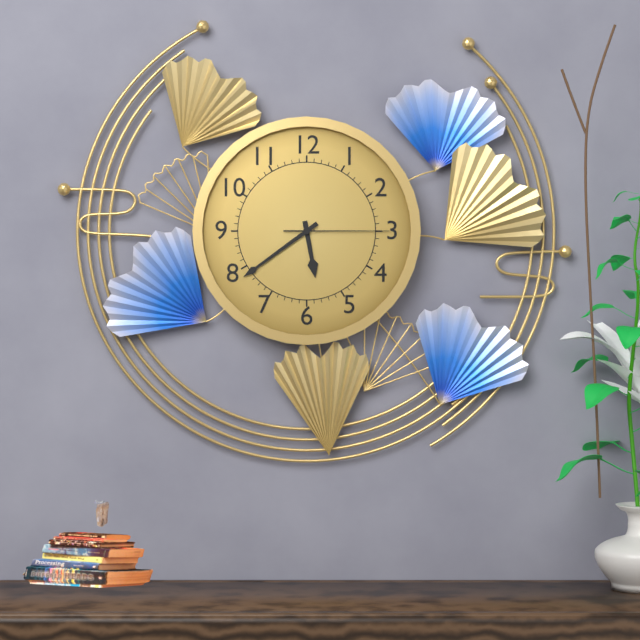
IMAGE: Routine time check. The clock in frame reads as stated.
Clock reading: 5:39:15
